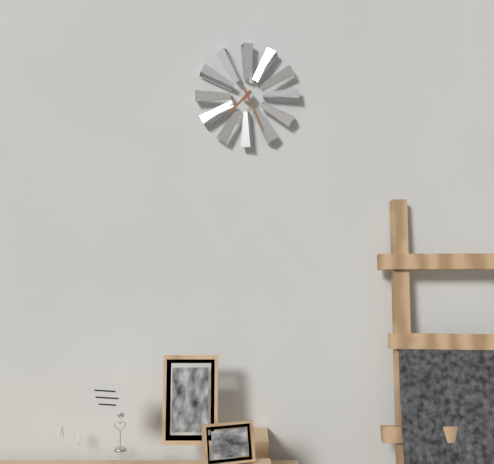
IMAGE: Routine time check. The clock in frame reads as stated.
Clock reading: 7:26
